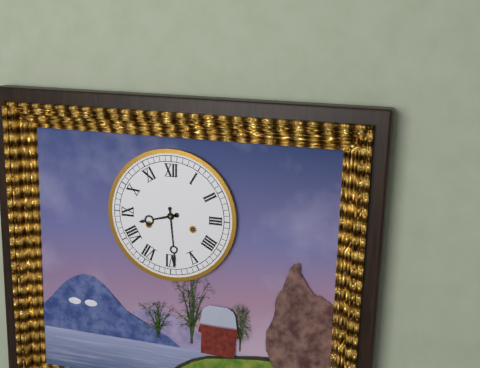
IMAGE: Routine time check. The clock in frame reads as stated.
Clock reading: 8:29
